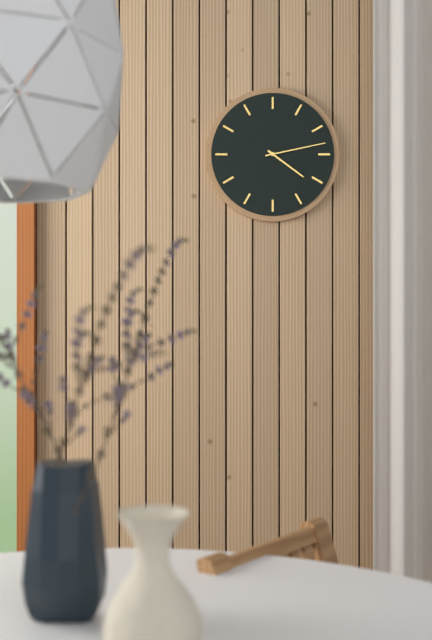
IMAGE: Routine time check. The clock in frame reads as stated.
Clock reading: 4:13
